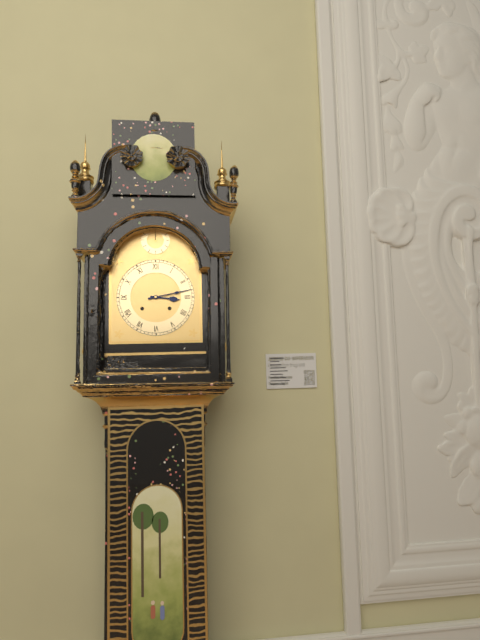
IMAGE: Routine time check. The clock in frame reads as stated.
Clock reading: 3:13
